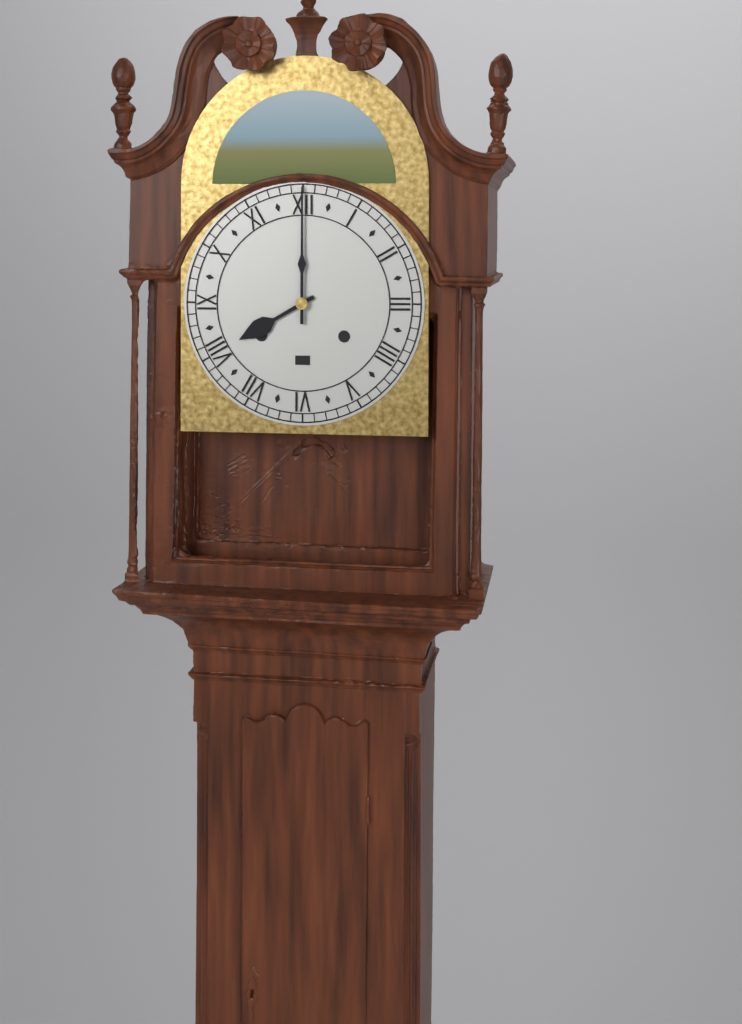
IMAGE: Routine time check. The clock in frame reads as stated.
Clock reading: 8:00
